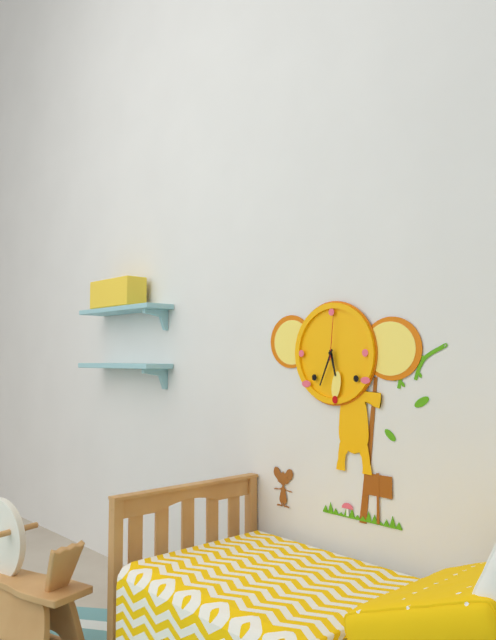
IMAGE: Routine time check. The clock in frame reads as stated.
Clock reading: 5:34
